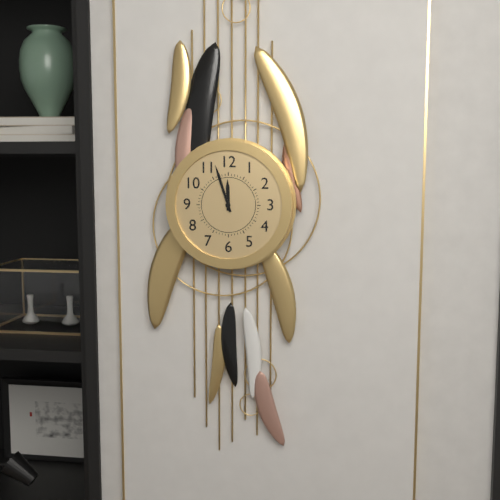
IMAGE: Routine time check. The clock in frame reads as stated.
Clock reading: 11:57
